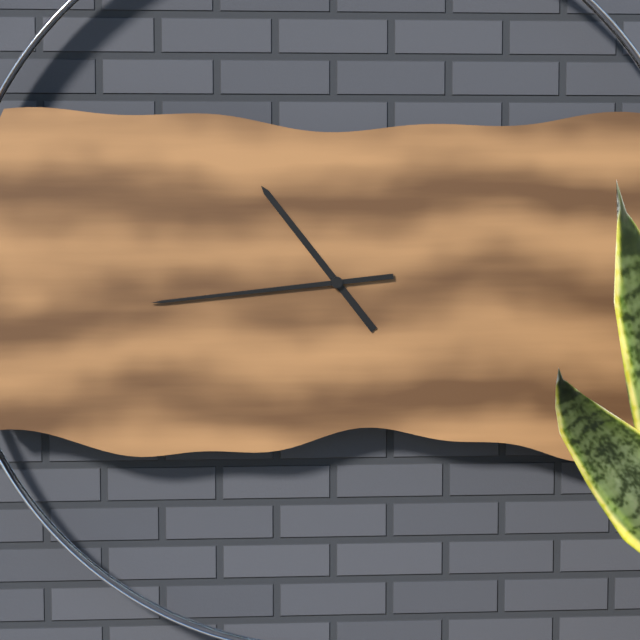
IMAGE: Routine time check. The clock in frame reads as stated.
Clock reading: 10:44
